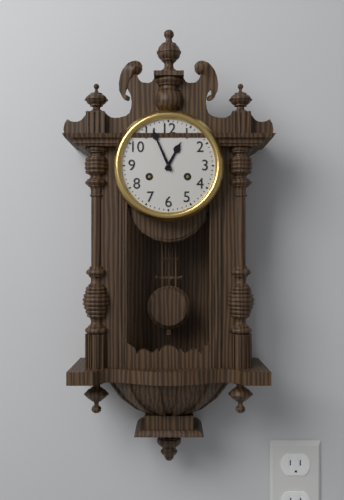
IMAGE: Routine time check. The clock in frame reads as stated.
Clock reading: 12:56
